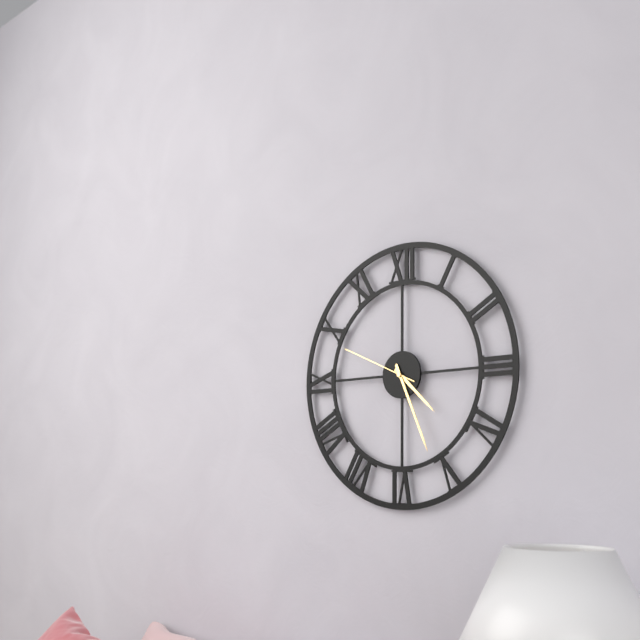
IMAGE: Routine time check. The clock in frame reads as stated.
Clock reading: 4:26:49
